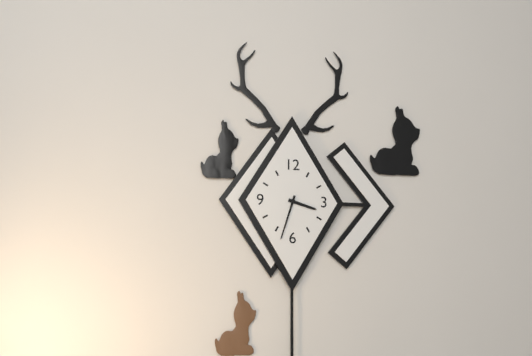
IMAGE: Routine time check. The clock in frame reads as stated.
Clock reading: 3:33
